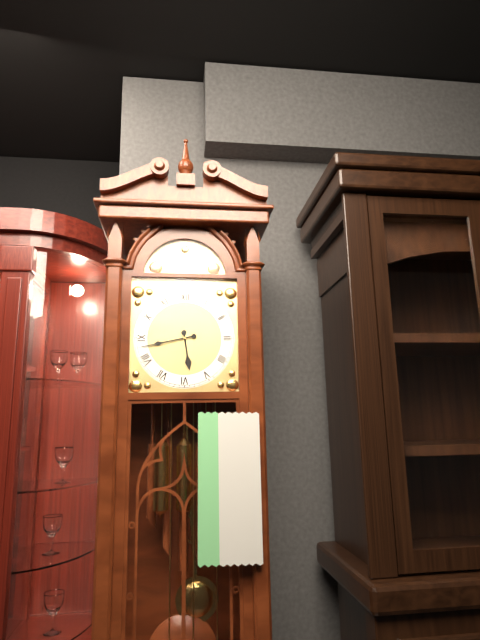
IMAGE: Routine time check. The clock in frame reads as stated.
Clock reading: 5:43
